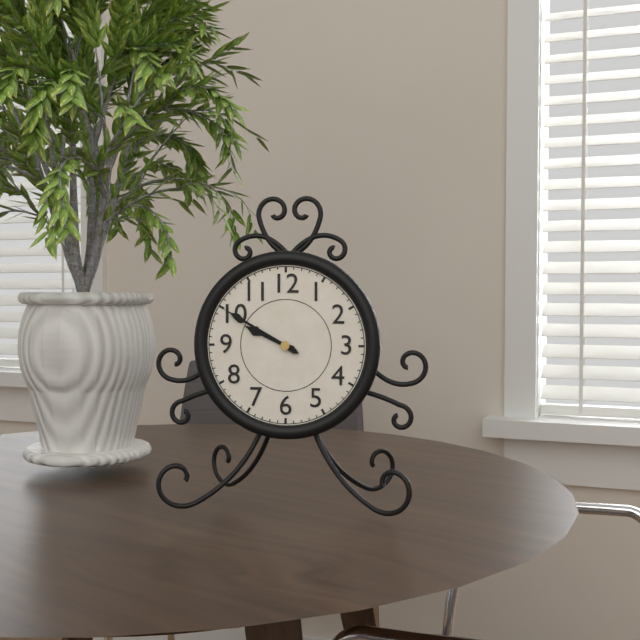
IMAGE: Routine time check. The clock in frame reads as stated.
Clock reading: 9:50
